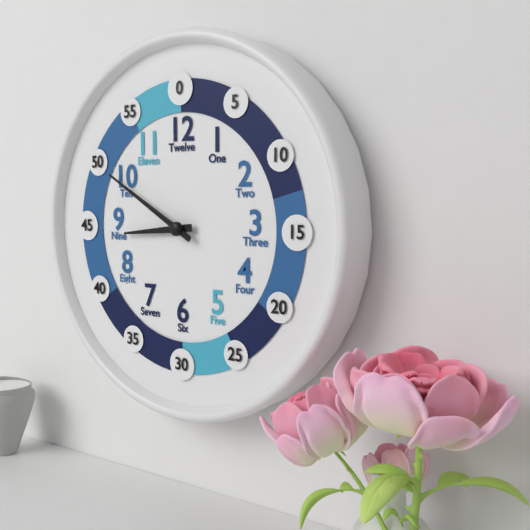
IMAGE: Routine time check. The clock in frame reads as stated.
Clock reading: 8:50
